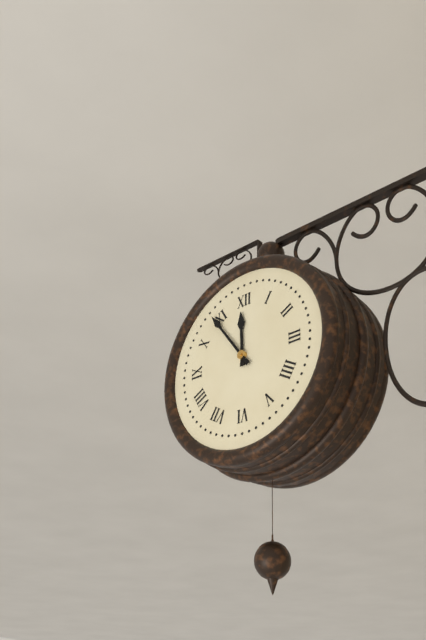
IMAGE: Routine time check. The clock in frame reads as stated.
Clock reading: 11:54
